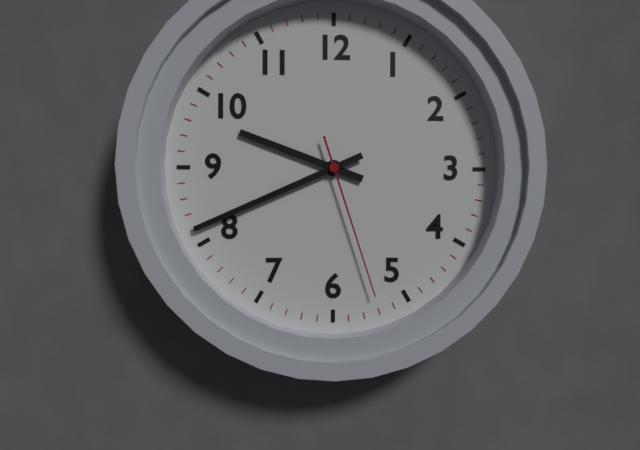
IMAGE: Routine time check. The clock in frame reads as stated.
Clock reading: 9:41:27
